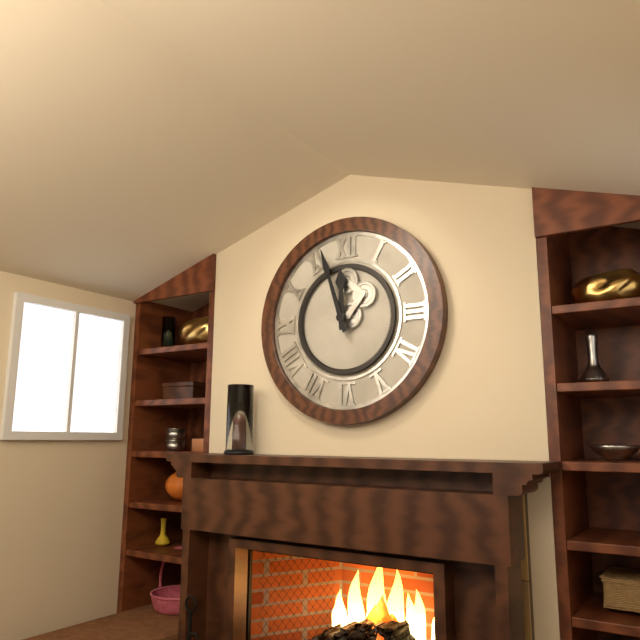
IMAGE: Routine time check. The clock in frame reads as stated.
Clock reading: 11:57
